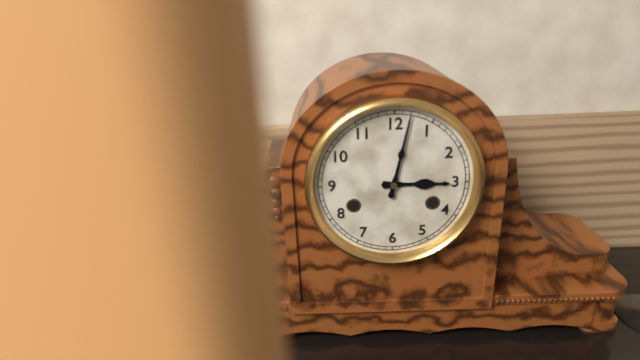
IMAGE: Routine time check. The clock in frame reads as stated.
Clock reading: 3:02
